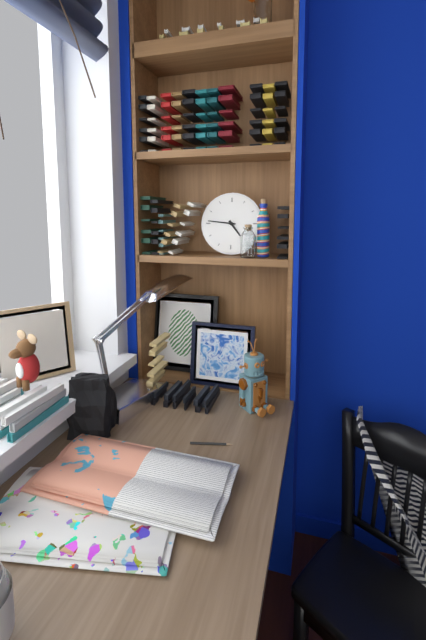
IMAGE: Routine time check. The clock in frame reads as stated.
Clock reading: 4:46
